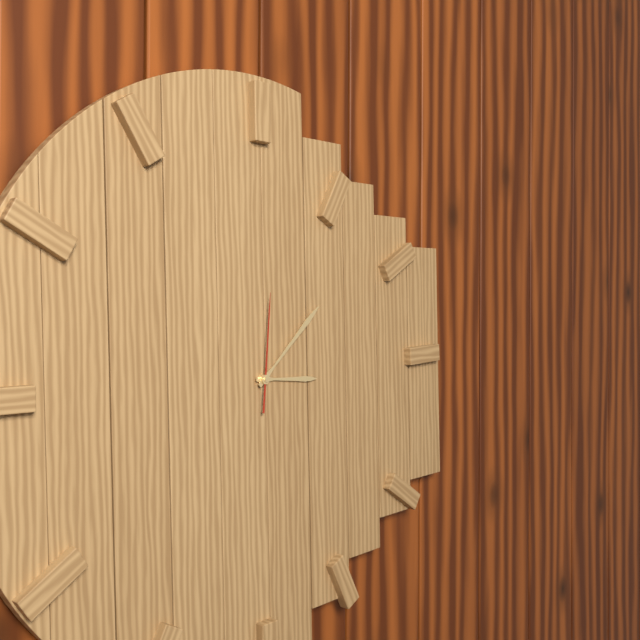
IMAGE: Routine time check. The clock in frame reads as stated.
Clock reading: 3:08:01
